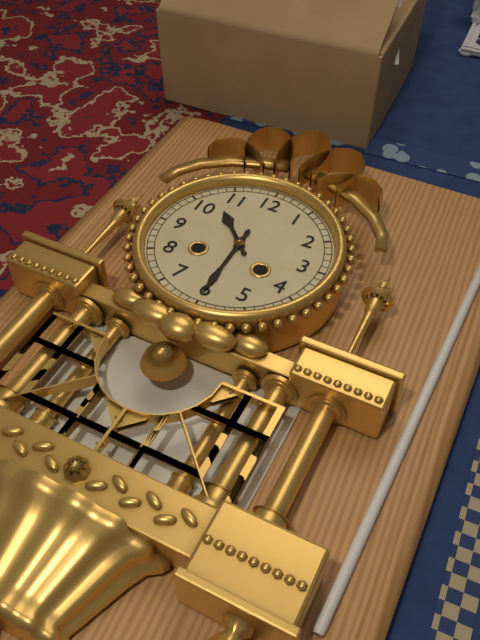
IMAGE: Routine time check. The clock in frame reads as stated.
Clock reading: 10:30
